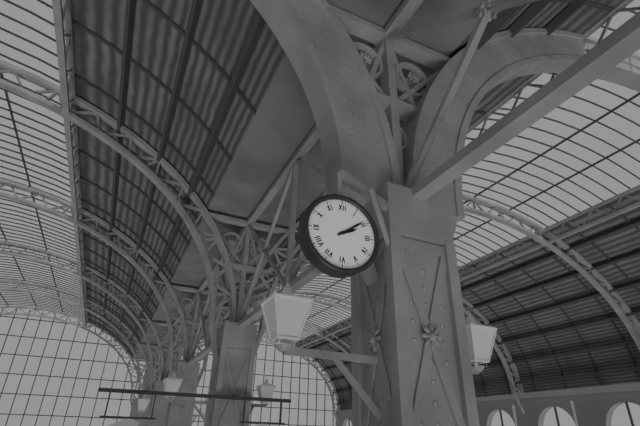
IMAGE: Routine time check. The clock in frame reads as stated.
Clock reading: 2:09
